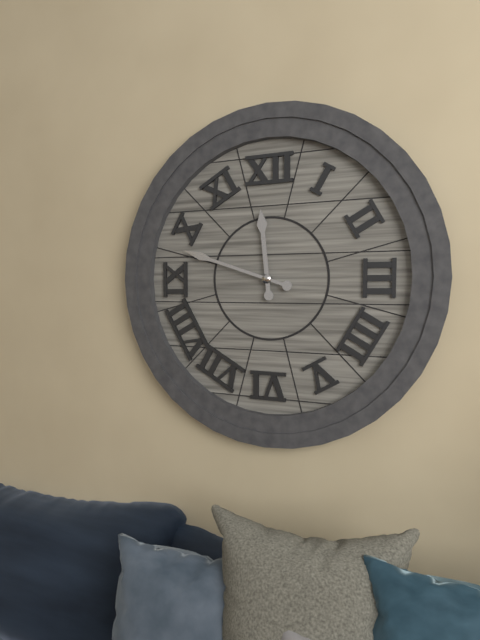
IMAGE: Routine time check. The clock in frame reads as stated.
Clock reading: 11:48
